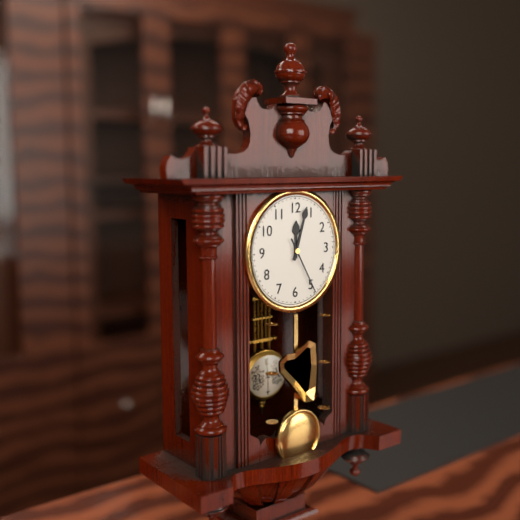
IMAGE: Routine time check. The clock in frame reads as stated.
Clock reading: 12:03:25
